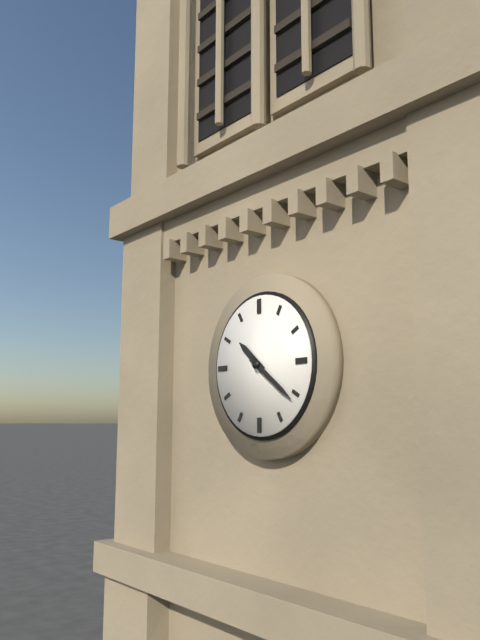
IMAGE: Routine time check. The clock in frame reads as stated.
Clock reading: 10:21
